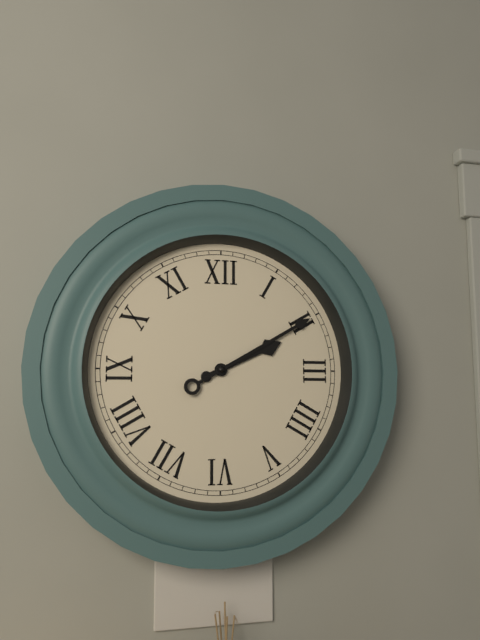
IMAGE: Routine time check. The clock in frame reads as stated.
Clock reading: 2:10
